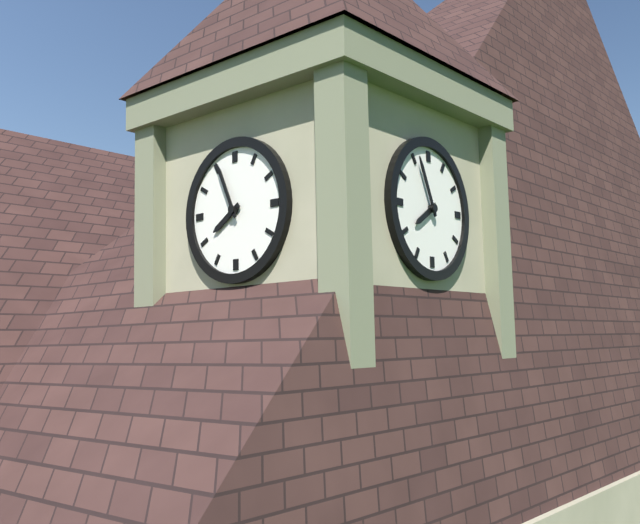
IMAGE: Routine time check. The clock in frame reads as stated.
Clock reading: 7:56
